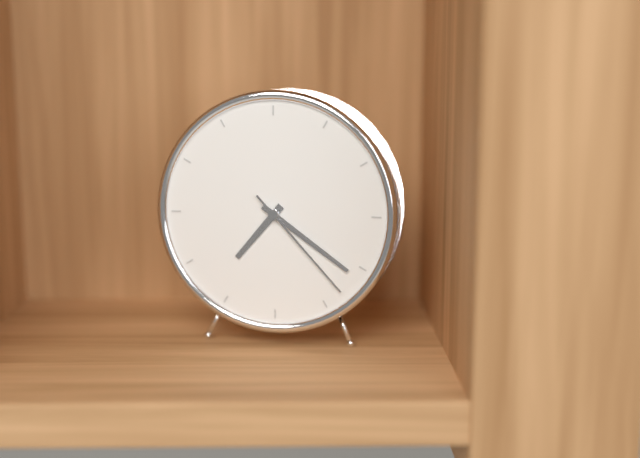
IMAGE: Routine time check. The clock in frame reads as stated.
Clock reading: 7:21:23
